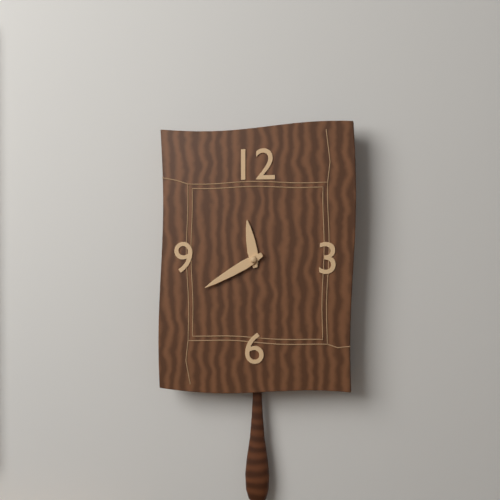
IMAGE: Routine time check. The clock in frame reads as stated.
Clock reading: 11:40
